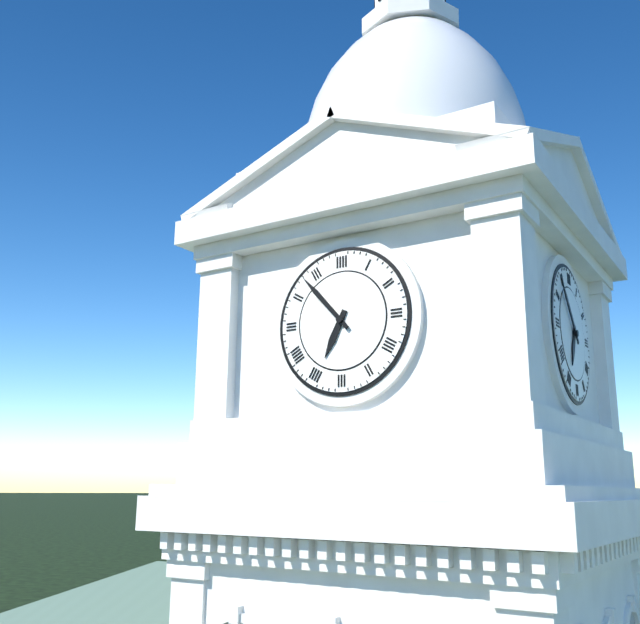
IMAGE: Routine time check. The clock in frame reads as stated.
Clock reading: 6:53
